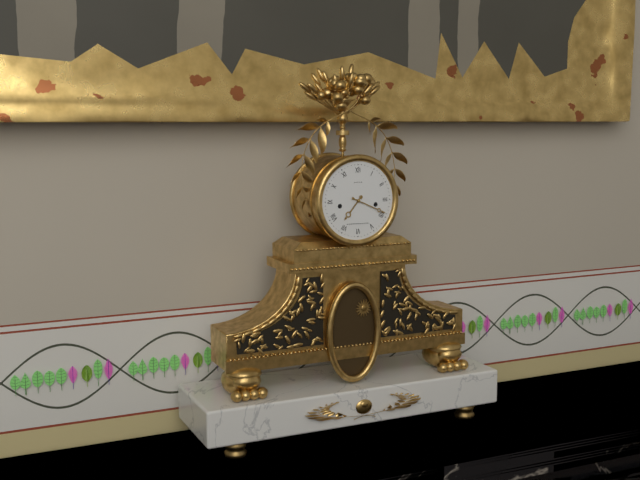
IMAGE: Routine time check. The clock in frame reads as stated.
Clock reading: 7:19
